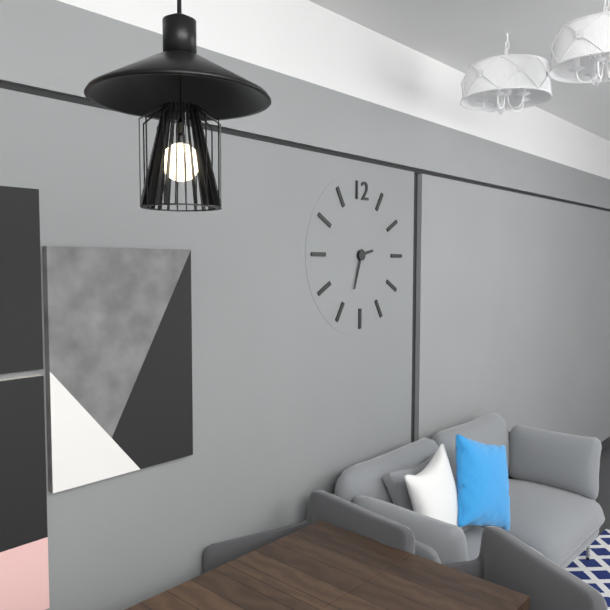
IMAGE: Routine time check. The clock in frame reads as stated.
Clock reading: 2:33
